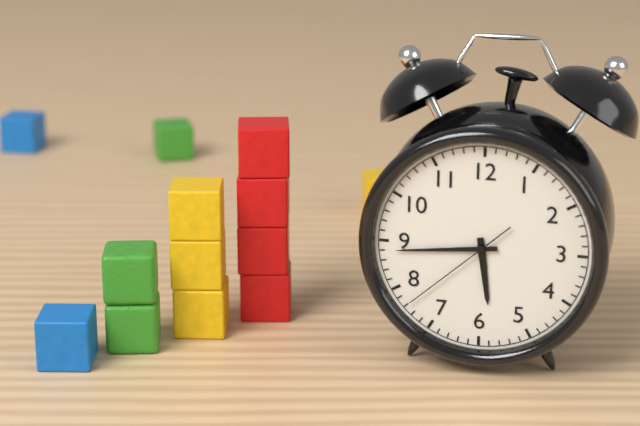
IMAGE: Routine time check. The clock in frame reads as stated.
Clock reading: 5:44:38
